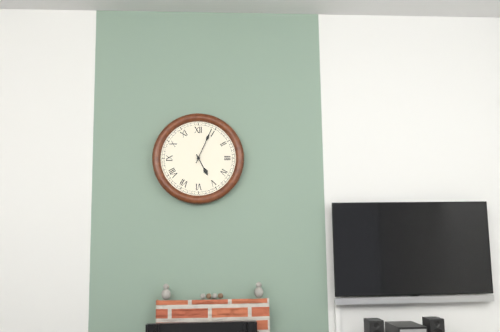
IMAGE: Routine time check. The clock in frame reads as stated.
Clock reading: 5:04
